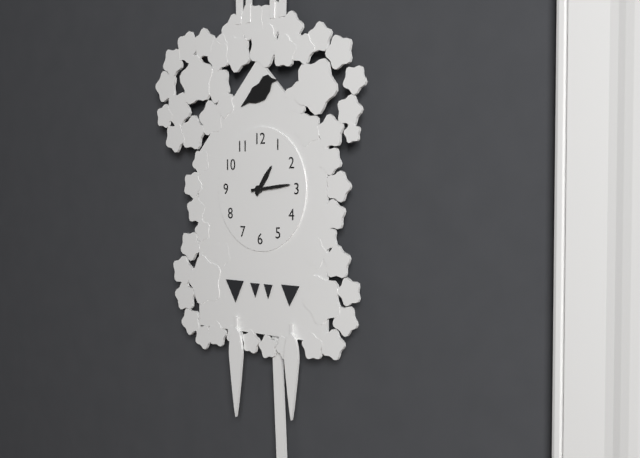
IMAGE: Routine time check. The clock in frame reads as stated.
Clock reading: 1:14
